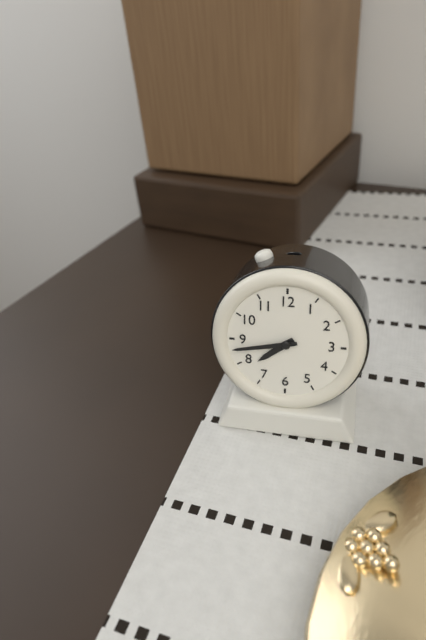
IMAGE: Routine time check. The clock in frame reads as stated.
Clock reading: 7:43
